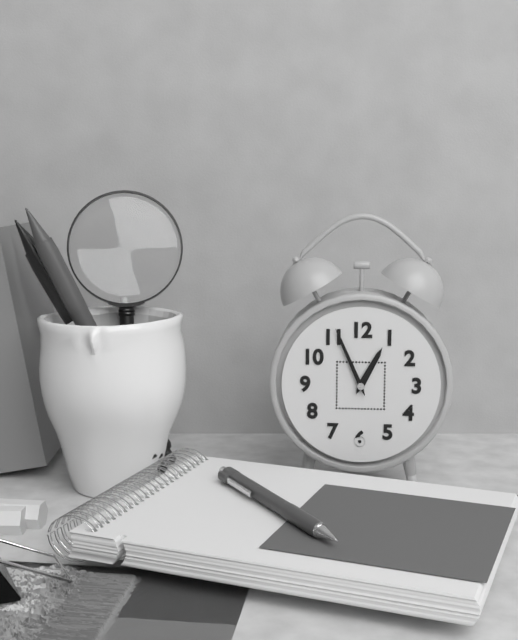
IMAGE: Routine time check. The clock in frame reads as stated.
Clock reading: 12:56
